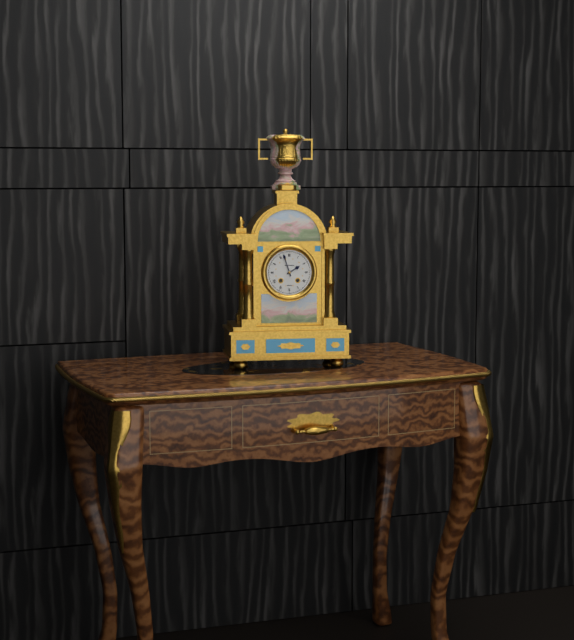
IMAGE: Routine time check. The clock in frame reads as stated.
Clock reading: 1:57
